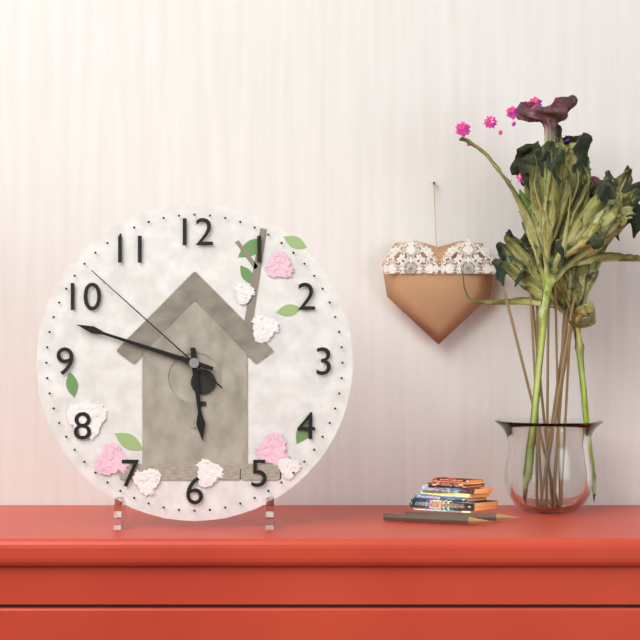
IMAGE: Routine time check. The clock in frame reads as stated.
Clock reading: 5:48:52
